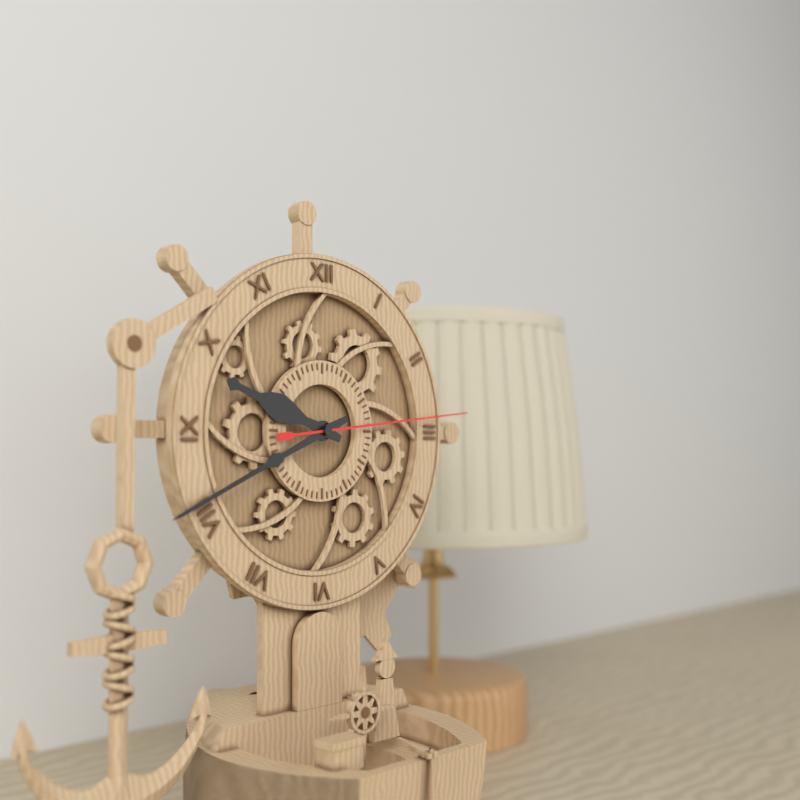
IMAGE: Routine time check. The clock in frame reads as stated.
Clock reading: 9:41:14
